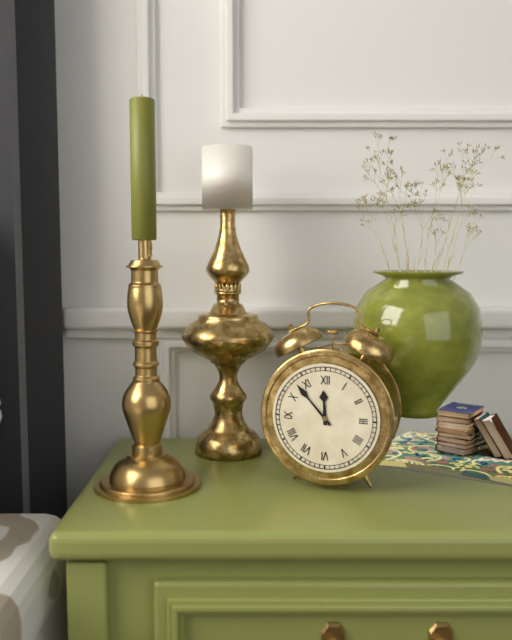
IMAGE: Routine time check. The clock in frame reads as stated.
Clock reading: 11:53
